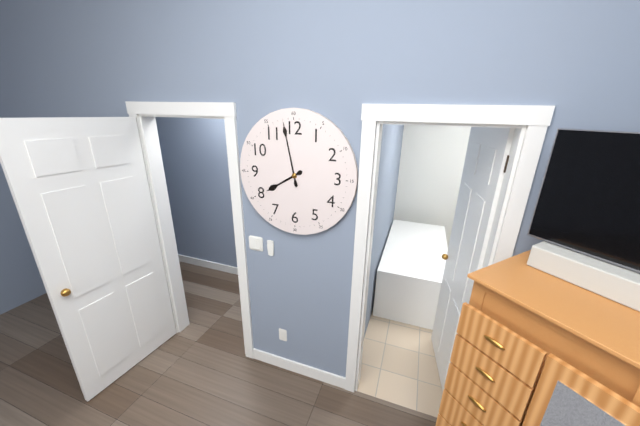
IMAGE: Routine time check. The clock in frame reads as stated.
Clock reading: 7:58
